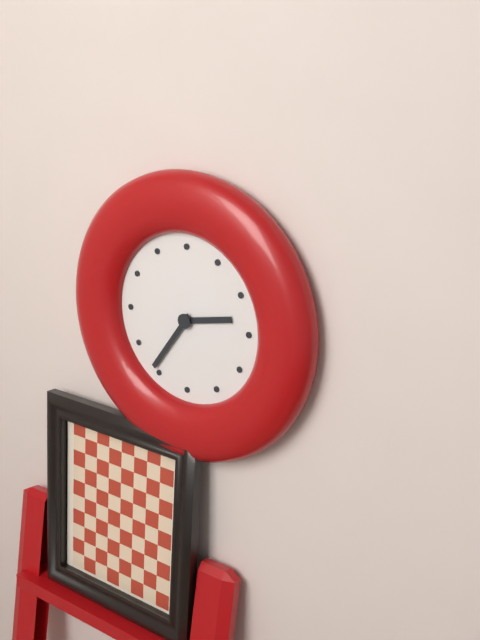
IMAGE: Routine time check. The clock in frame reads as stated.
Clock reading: 2:36
